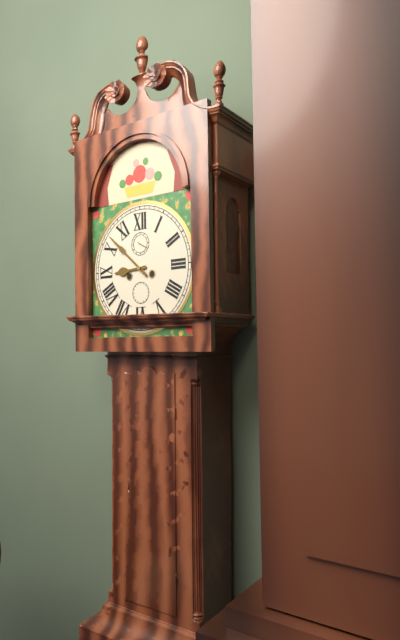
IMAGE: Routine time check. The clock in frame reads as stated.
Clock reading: 8:52
